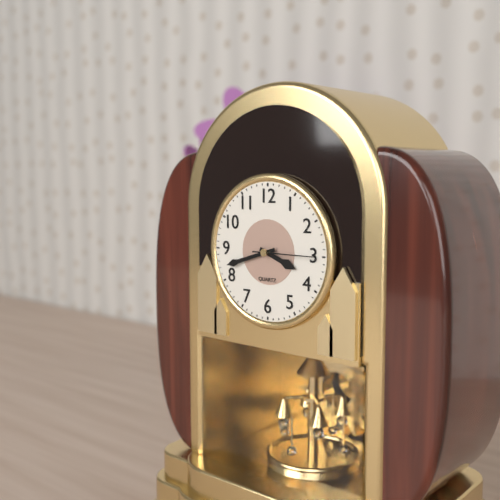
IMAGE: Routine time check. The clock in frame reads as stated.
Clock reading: 3:42:15
